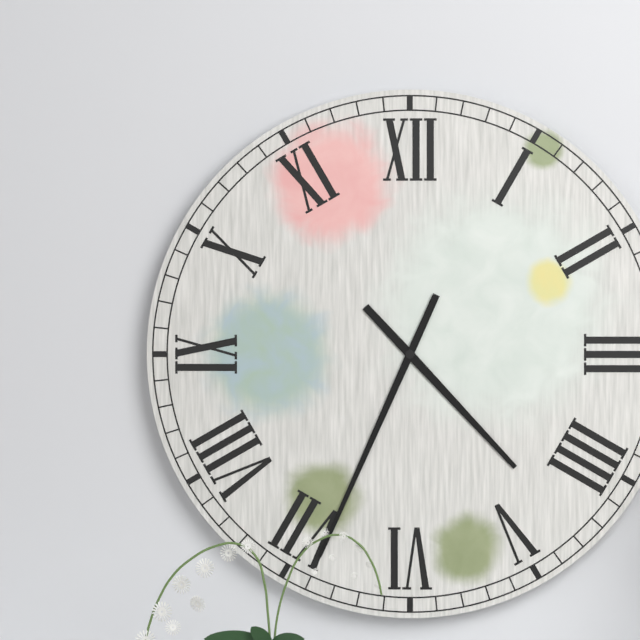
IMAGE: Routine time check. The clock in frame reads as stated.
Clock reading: 4:34
